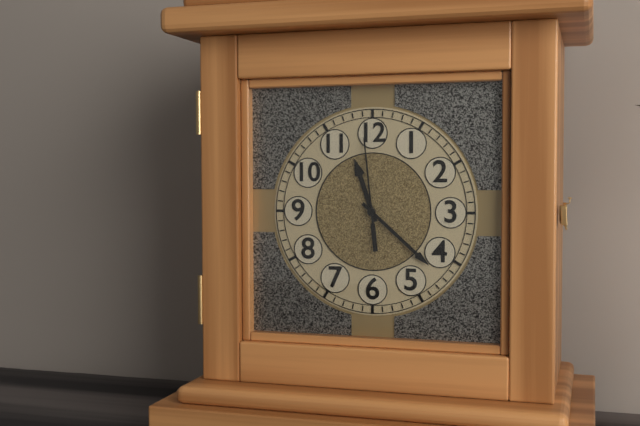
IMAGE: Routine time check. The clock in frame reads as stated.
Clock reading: 11:22:59
